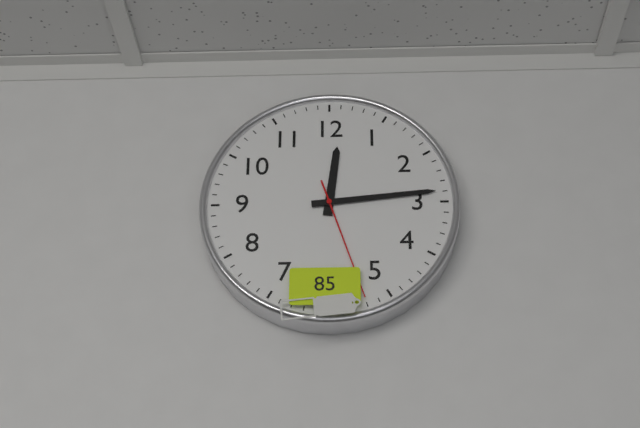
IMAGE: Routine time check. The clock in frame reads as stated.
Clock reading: 12:14:27
